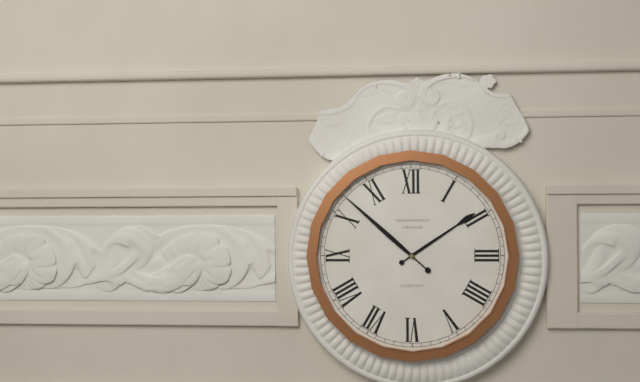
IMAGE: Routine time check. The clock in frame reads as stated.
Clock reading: 1:52
